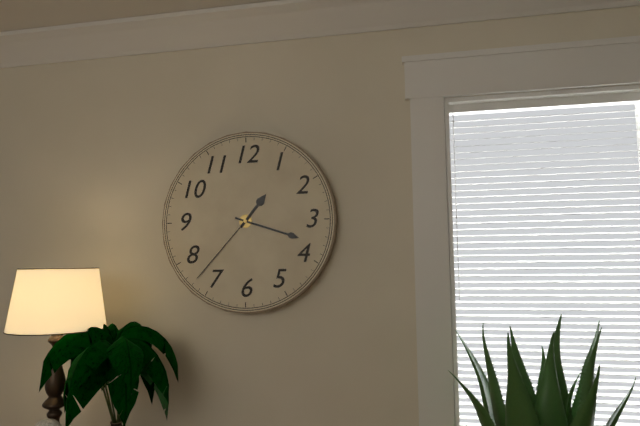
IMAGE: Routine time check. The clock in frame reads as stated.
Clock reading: 1:18:37
